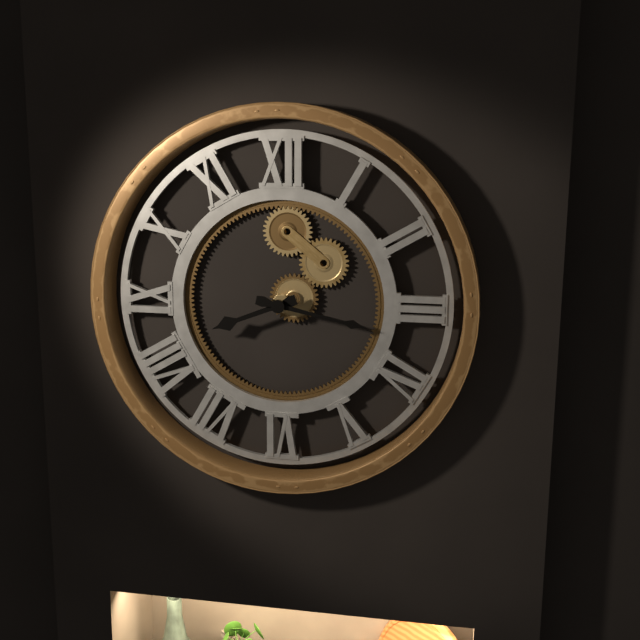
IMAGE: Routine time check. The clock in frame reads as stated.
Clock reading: 8:17
